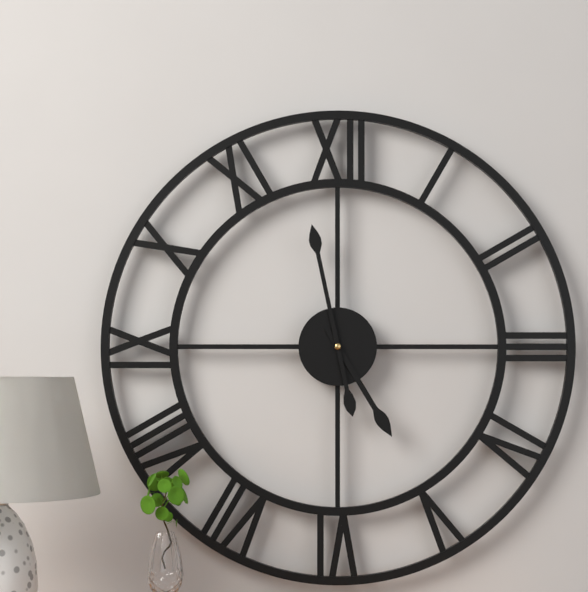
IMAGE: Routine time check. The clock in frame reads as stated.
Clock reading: 4:58
